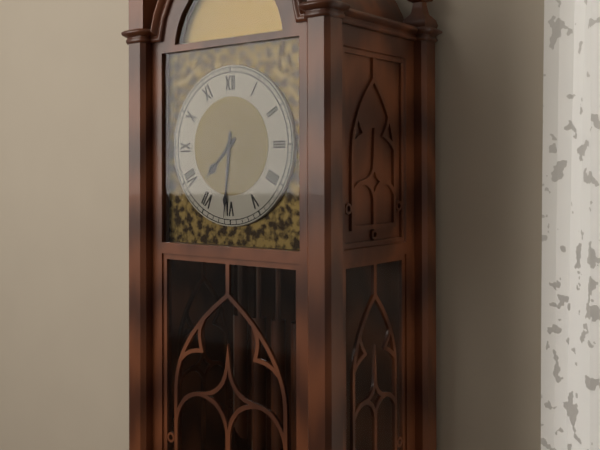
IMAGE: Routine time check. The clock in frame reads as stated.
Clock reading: 7:31
